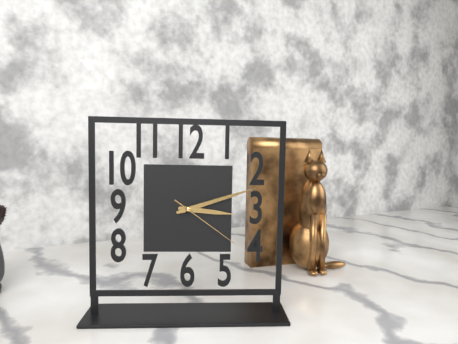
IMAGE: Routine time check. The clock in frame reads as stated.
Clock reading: 3:12:21
